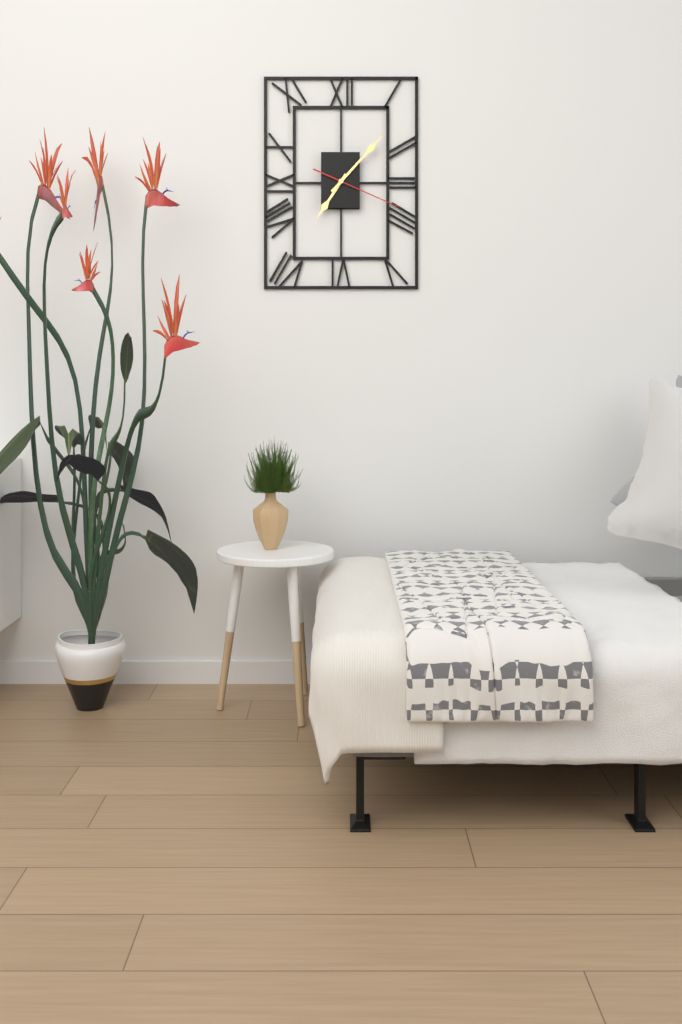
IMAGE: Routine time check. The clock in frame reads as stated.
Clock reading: 7:07:19
